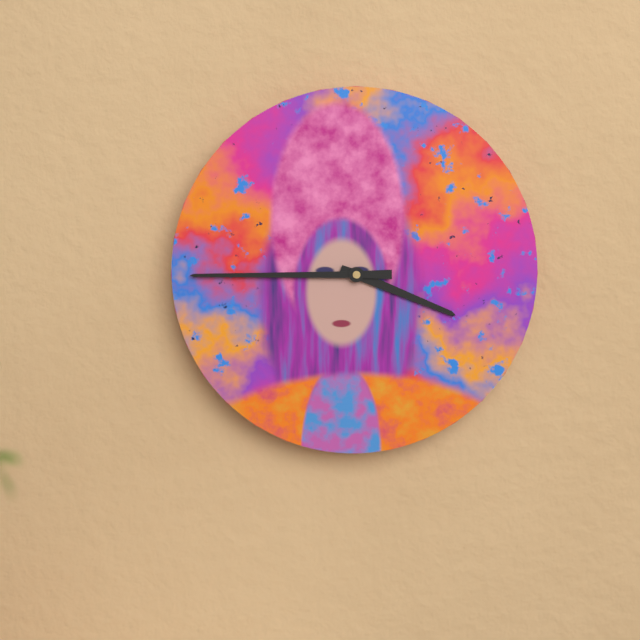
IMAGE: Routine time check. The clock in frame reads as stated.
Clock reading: 3:45
